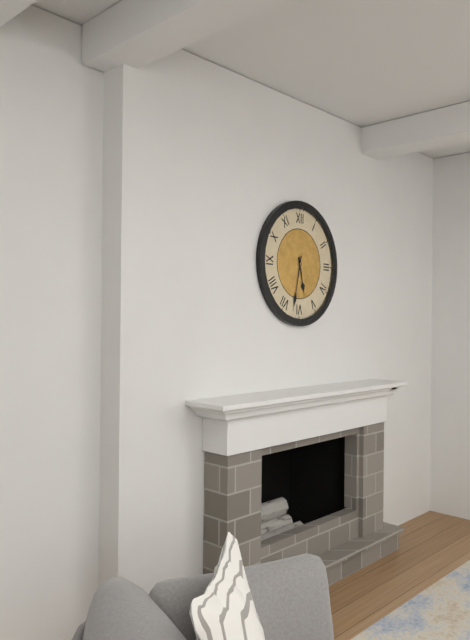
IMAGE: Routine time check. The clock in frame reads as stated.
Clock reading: 5:32
